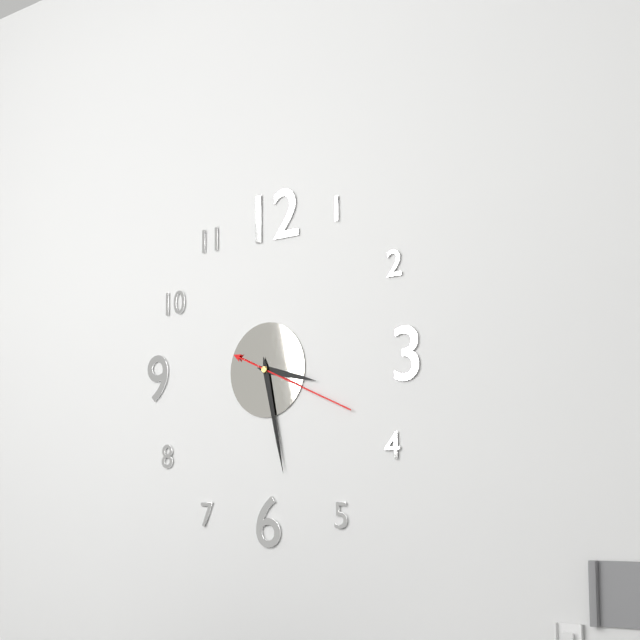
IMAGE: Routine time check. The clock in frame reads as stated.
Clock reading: 3:28:19
